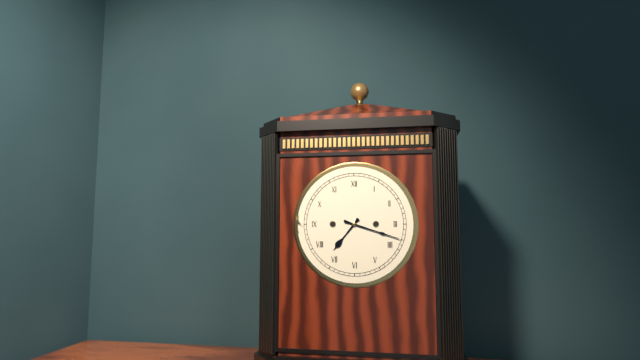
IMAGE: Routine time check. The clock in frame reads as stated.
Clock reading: 7:18
